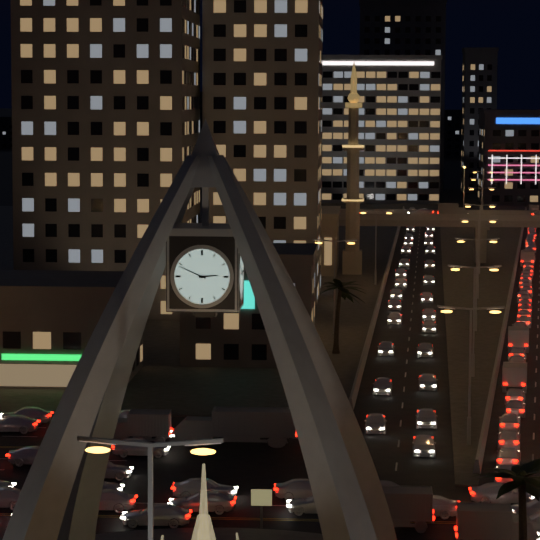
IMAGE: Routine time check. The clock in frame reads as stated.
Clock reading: 2:49
